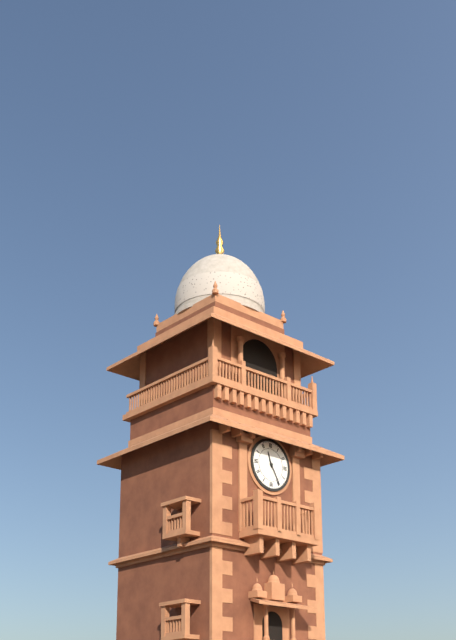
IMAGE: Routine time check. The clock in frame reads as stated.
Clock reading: 11:25
